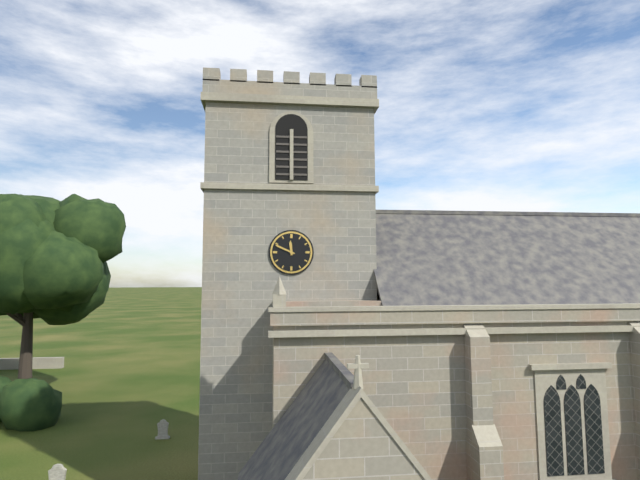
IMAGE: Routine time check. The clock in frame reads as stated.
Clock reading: 11:49
